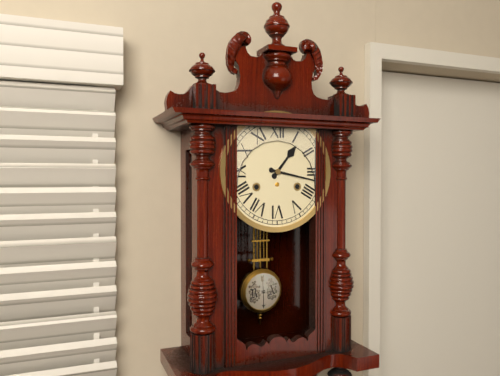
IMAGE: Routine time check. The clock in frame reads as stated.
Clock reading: 1:17
